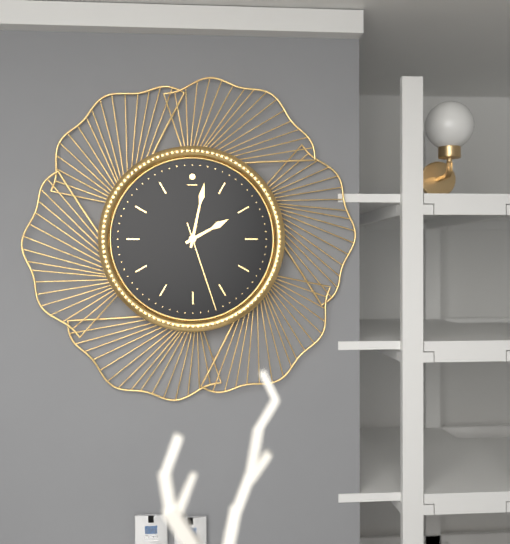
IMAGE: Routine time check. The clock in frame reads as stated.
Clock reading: 2:02:27
